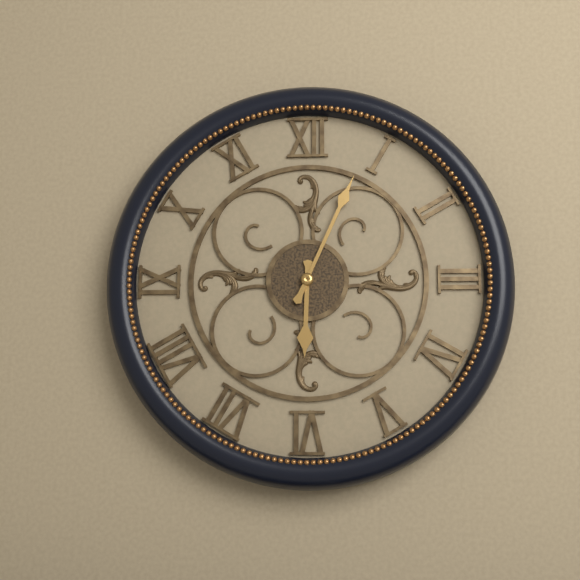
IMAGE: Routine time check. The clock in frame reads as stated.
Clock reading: 6:04
